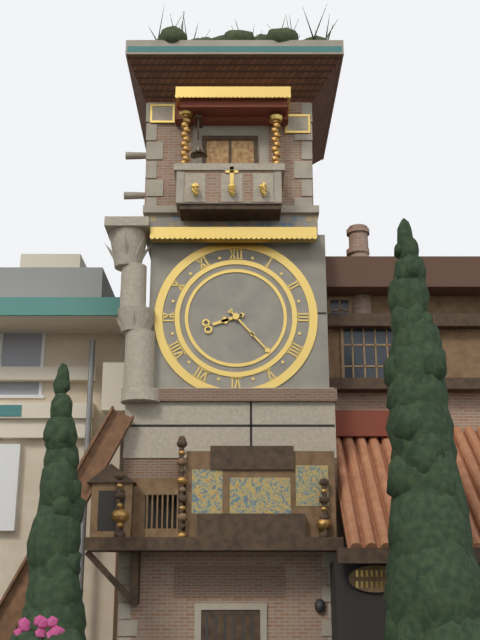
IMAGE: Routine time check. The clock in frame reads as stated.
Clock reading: 8:23
